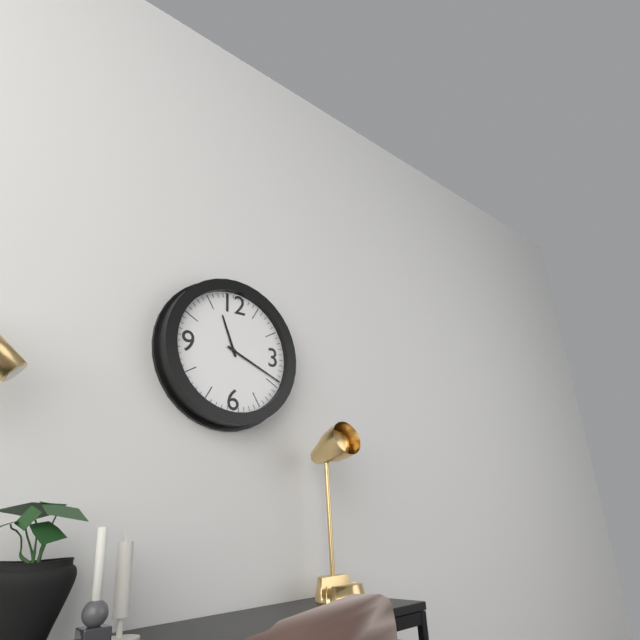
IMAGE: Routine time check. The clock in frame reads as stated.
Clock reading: 11:19
